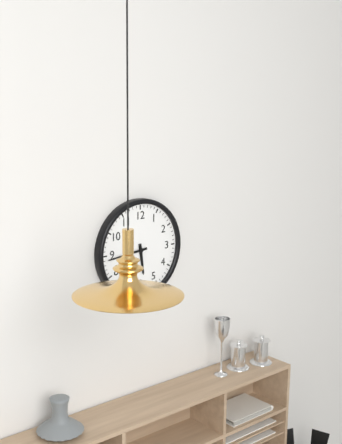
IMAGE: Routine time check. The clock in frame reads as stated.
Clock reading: 5:44
